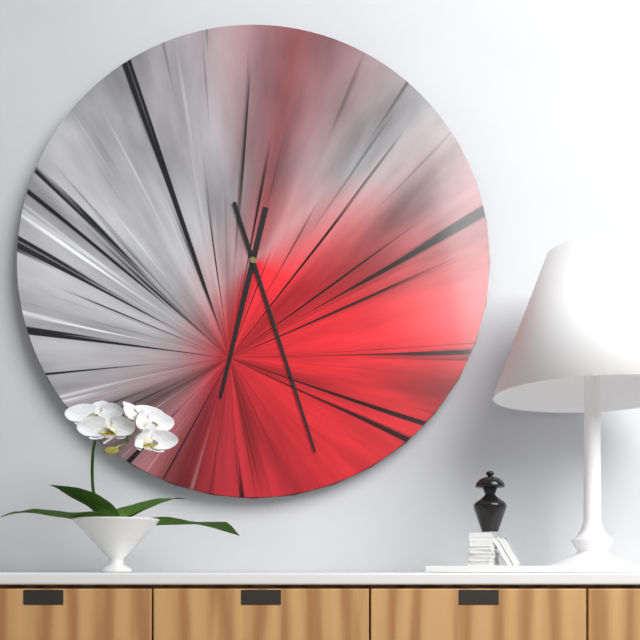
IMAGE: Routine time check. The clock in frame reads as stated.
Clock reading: 6:27
